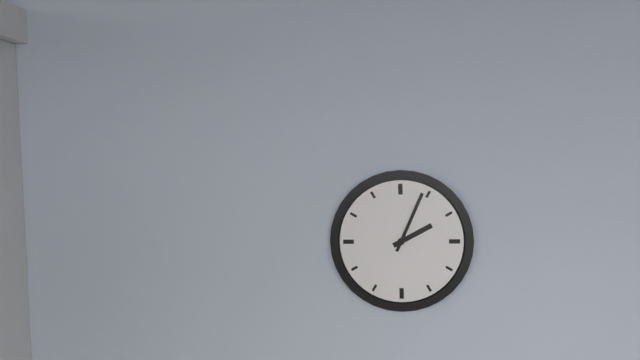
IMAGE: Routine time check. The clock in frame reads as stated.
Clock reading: 2:04
